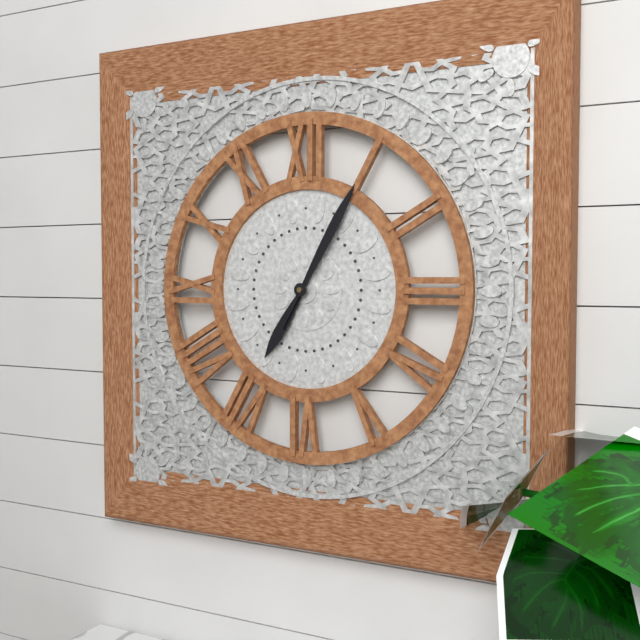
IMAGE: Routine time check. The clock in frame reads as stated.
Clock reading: 7:05
